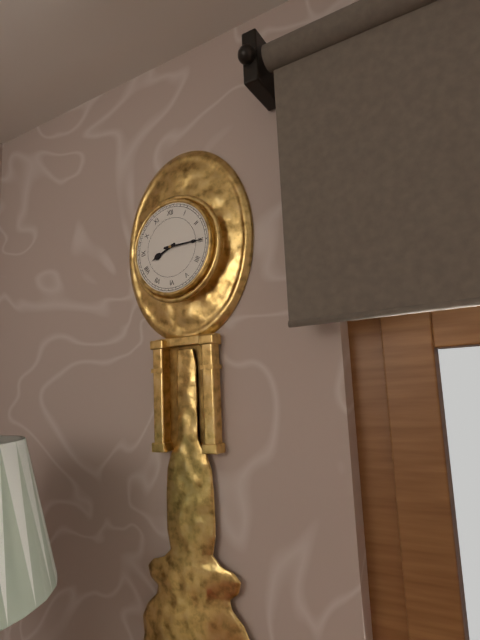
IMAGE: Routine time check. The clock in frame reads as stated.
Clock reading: 8:15
